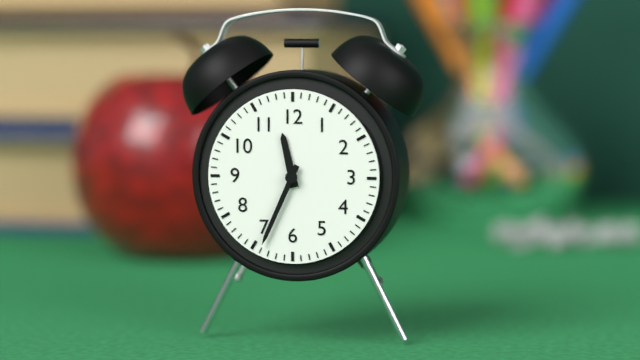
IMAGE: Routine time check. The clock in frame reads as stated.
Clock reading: 11:34
